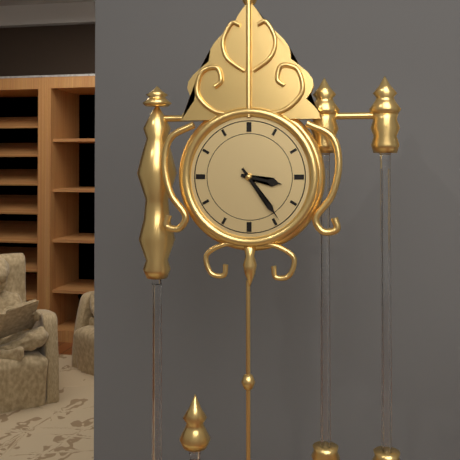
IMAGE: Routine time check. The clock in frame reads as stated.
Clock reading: 3:24
